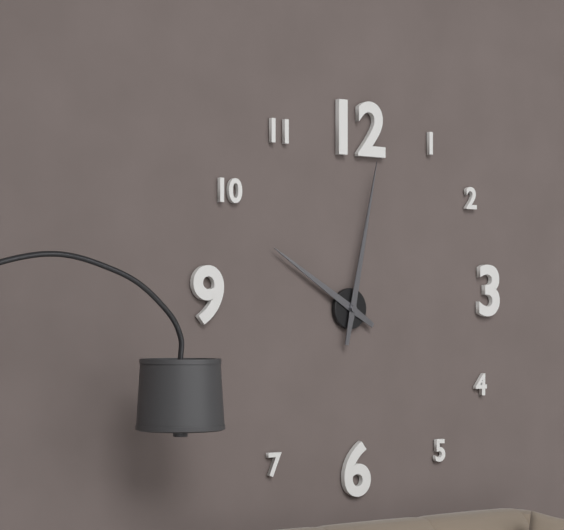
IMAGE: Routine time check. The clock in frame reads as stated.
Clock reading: 10:02
